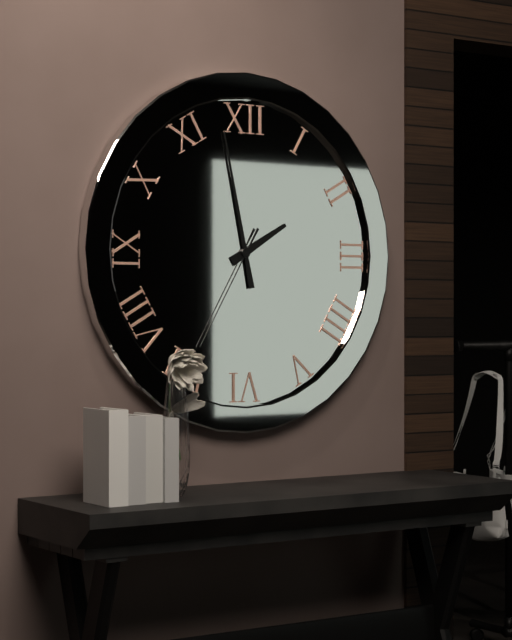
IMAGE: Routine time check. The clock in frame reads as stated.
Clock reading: 1:58:35
